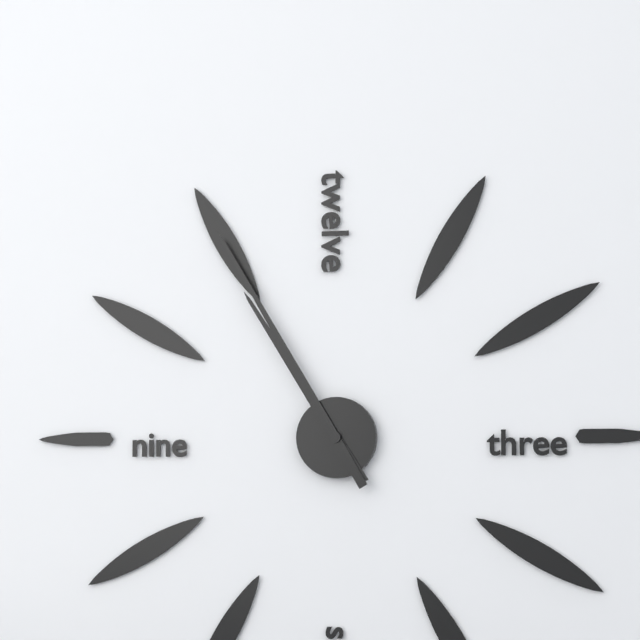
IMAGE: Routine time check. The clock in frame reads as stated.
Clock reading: 10:55
